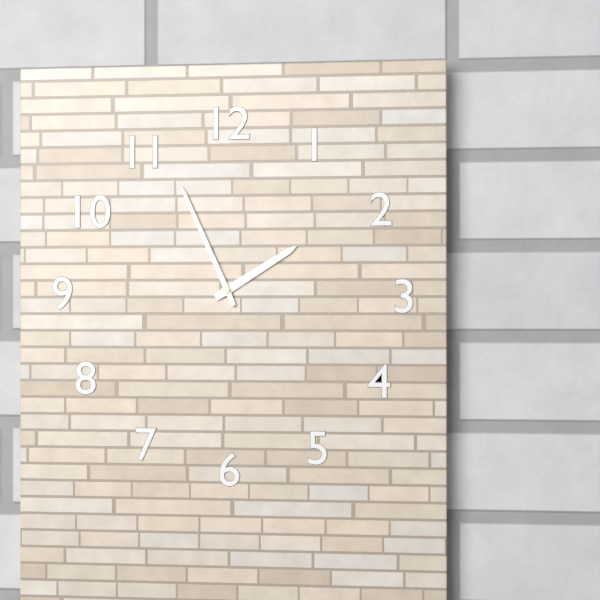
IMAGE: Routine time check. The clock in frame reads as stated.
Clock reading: 1:56
